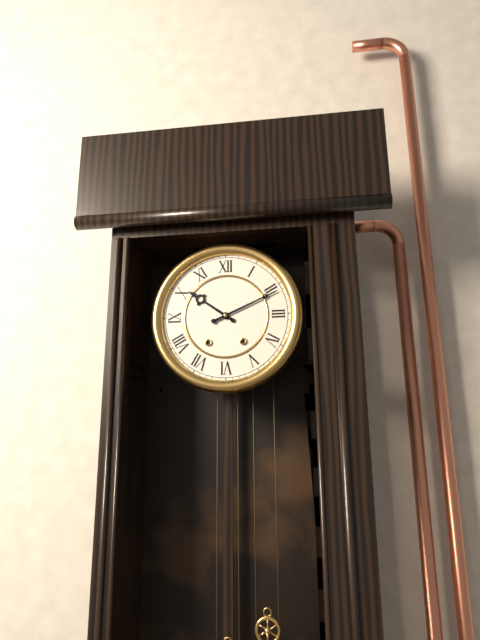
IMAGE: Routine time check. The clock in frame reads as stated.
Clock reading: 10:11
